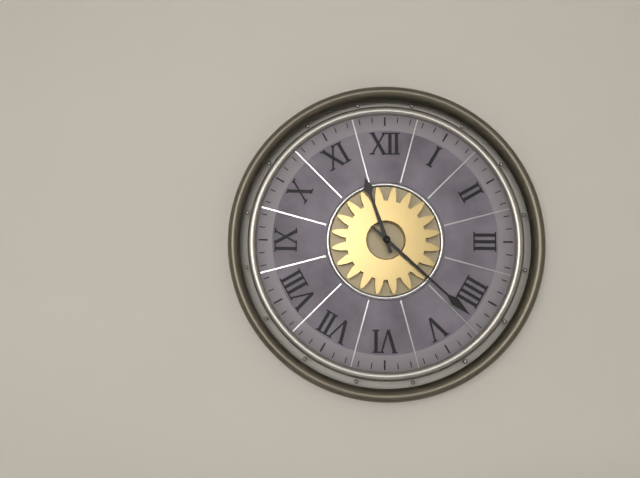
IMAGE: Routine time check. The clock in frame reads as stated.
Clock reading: 11:22
